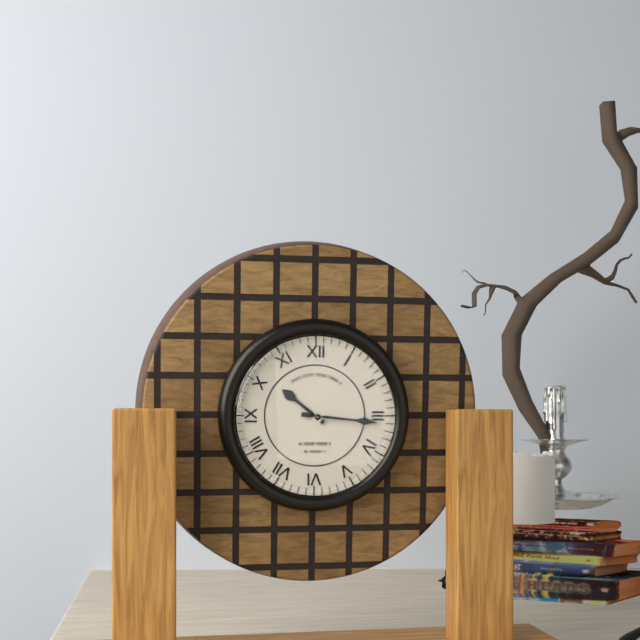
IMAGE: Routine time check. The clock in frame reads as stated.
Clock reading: 10:16
